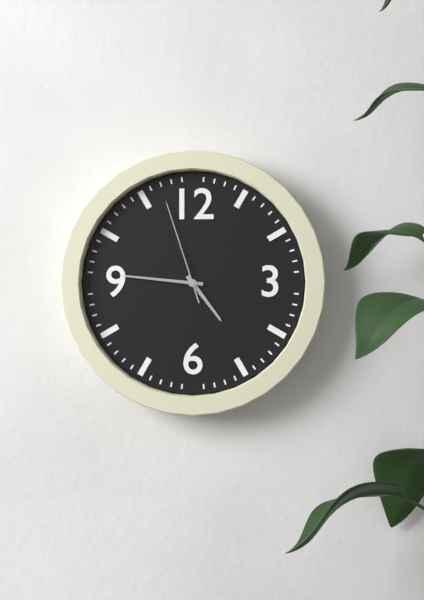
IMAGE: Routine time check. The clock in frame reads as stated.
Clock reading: 4:46:57
